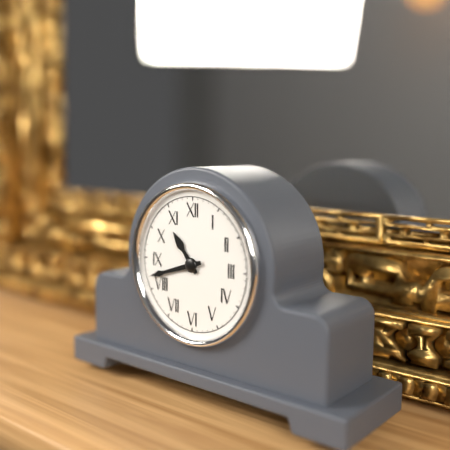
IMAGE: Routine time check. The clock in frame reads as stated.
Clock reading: 10:42
